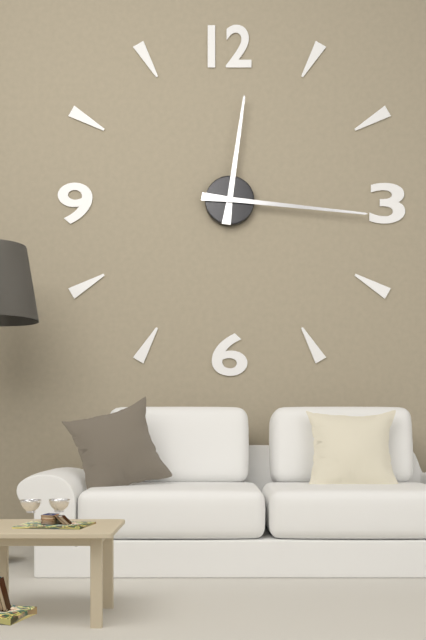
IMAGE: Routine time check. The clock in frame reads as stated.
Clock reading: 12:16
